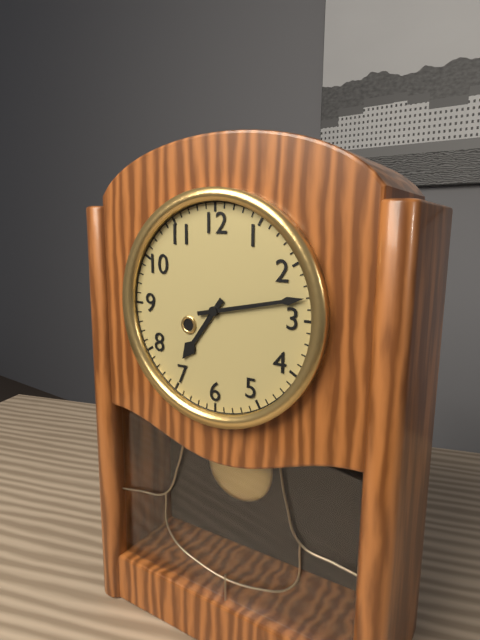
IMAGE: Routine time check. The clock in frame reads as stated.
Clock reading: 7:13
